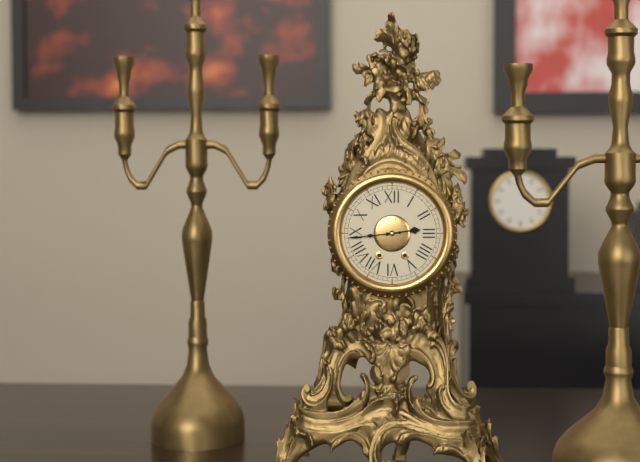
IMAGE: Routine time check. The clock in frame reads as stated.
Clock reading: 2:44
